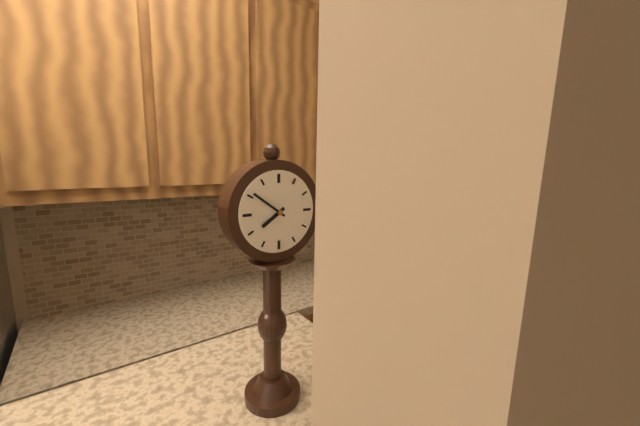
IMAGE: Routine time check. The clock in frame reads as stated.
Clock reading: 7:51
